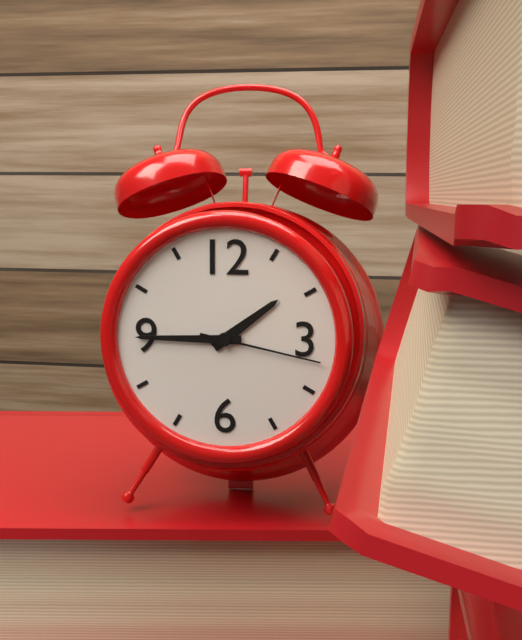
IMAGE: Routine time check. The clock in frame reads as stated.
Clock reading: 1:45:17
